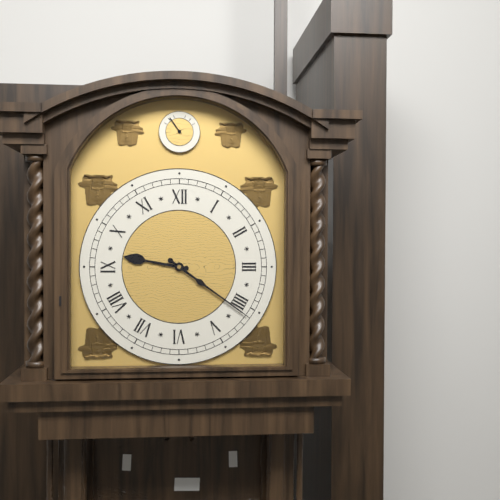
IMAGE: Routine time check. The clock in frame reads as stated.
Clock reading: 9:21
